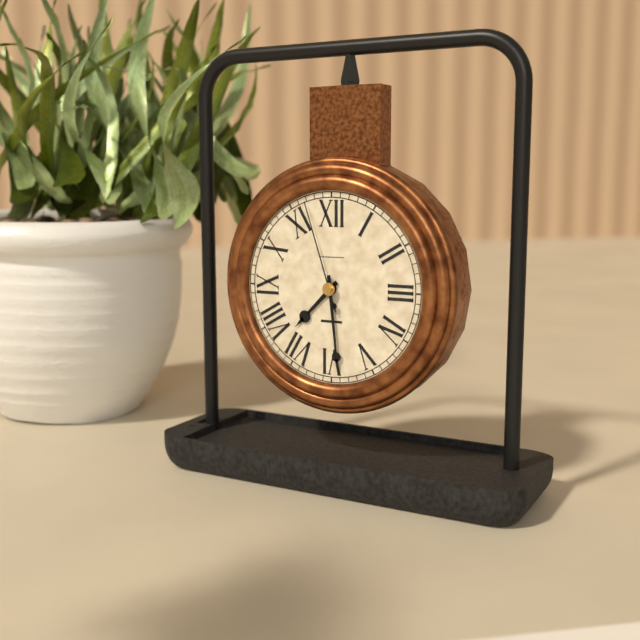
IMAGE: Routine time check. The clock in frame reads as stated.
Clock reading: 7:29:57
